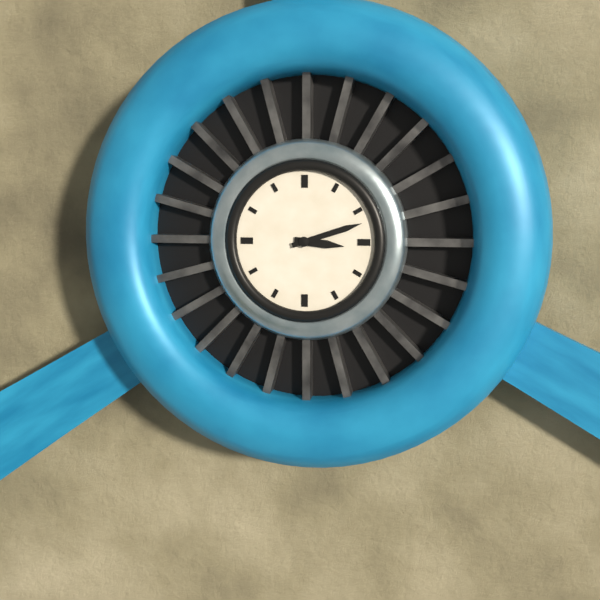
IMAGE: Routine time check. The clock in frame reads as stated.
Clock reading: 3:12
